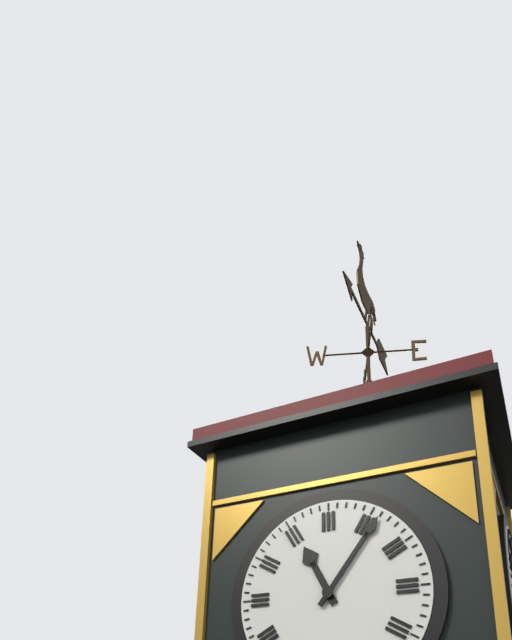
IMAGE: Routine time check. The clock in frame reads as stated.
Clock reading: 11:06
